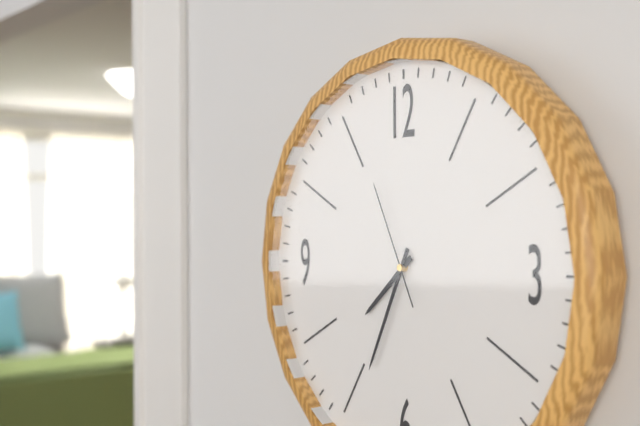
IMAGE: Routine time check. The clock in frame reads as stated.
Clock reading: 7:34:56
